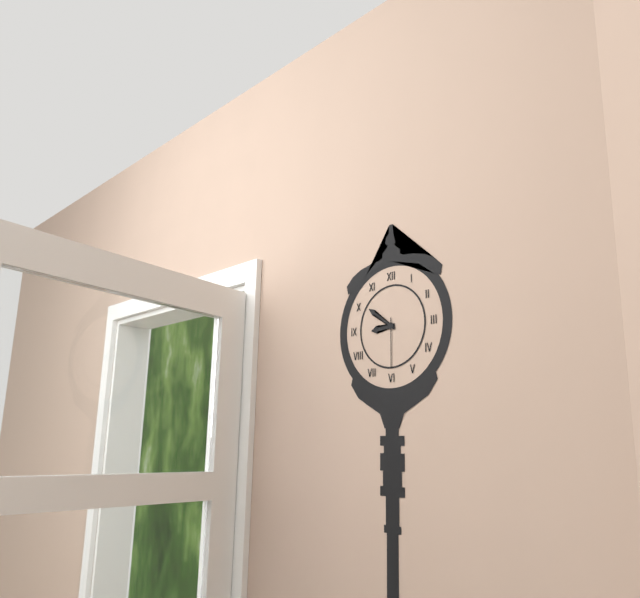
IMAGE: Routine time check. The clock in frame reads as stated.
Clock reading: 8:51:30
